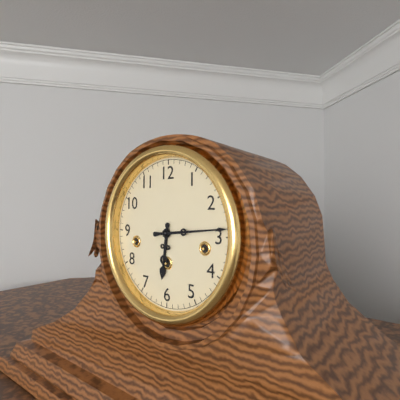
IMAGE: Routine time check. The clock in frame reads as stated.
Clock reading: 6:14
